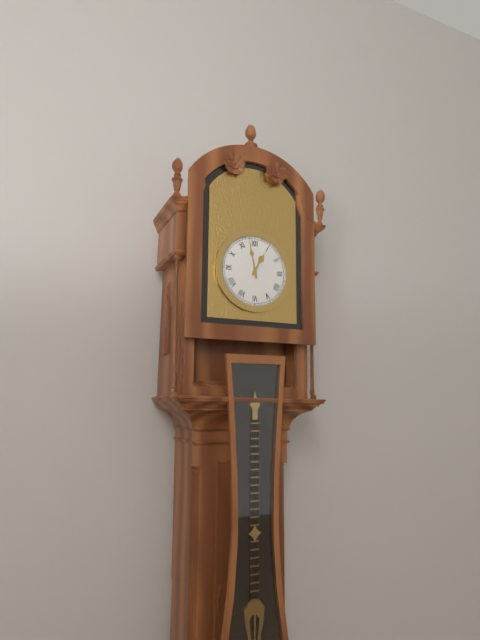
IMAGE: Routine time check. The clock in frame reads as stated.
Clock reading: 12:58
